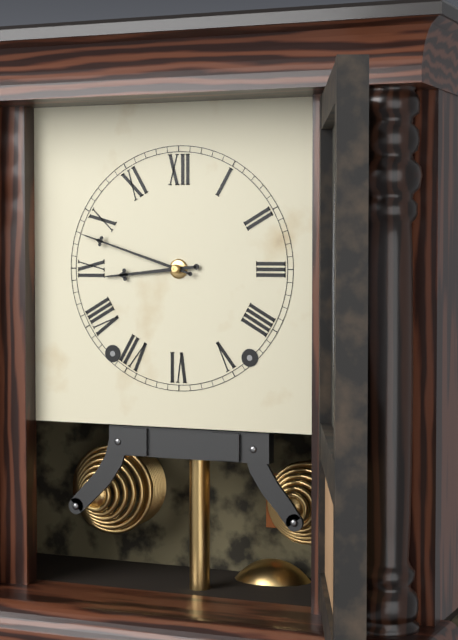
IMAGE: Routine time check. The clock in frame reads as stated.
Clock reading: 8:48
